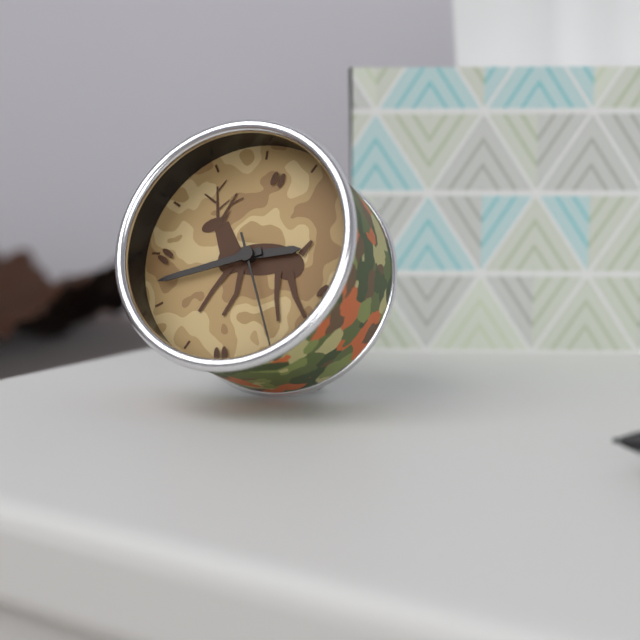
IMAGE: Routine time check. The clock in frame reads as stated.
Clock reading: 2:42:26
